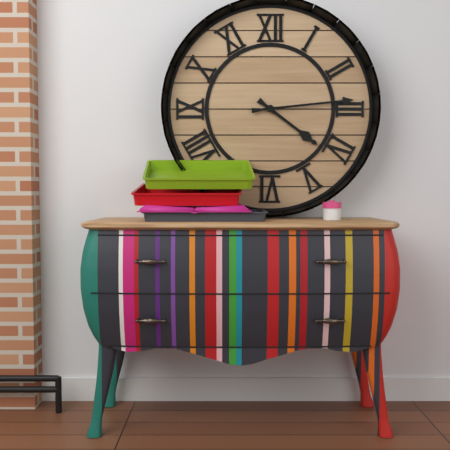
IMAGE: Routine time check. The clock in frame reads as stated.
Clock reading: 4:14
